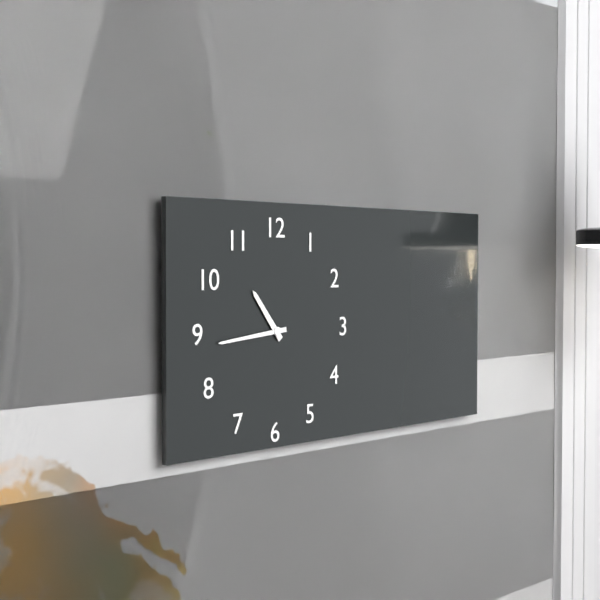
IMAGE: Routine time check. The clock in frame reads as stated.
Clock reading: 10:44
